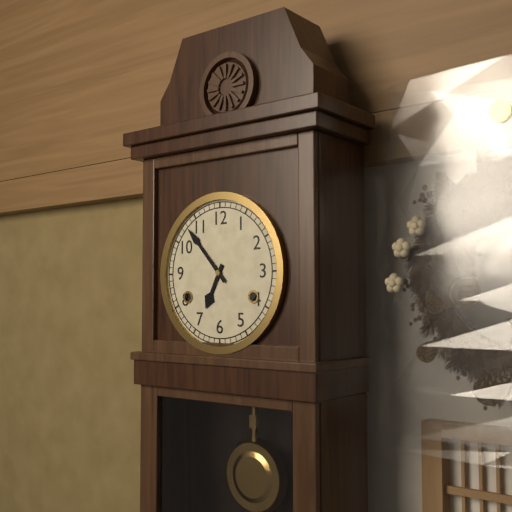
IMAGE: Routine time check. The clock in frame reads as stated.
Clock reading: 6:53
